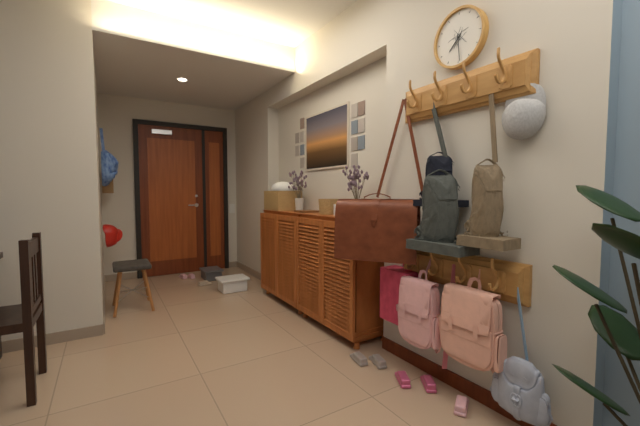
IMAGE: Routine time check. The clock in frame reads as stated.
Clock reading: 7:29
